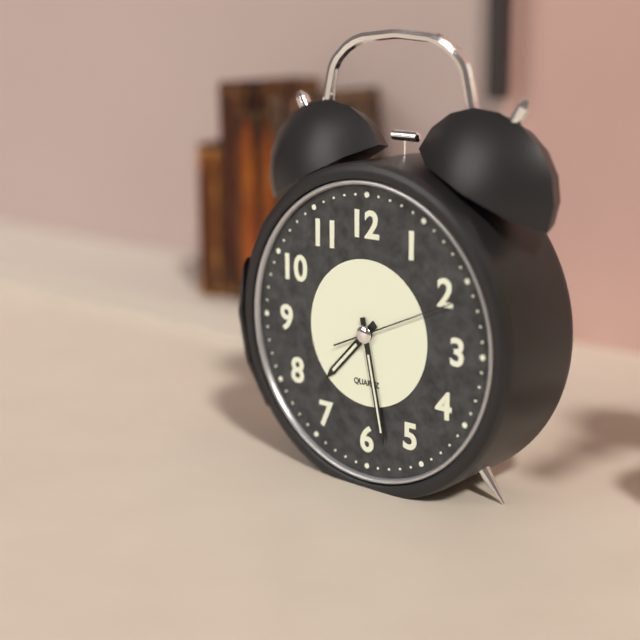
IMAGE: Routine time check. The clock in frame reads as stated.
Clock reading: 7:28:11
